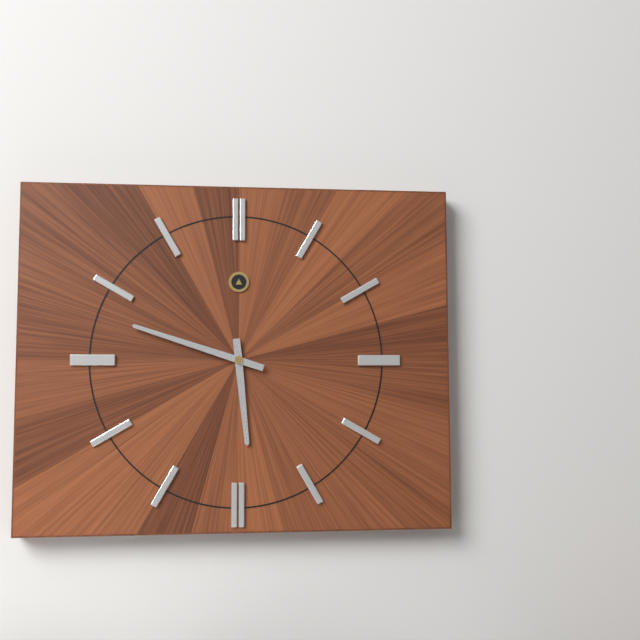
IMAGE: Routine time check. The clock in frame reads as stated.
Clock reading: 5:48
